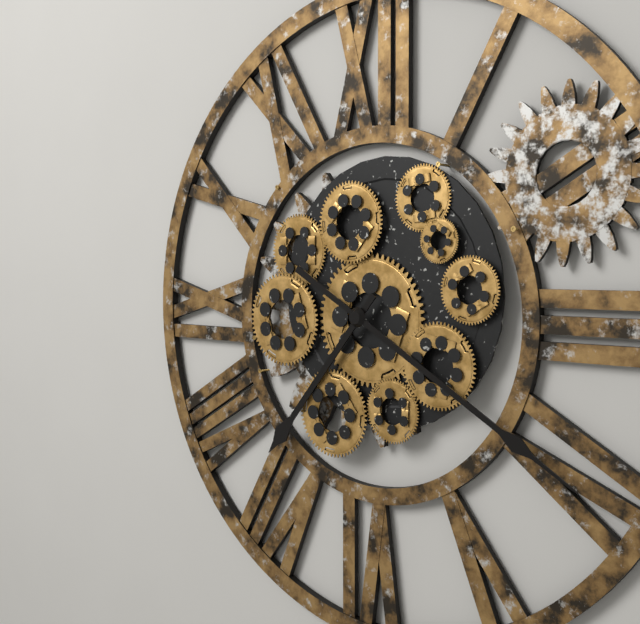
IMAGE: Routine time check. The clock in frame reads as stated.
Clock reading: 7:20
